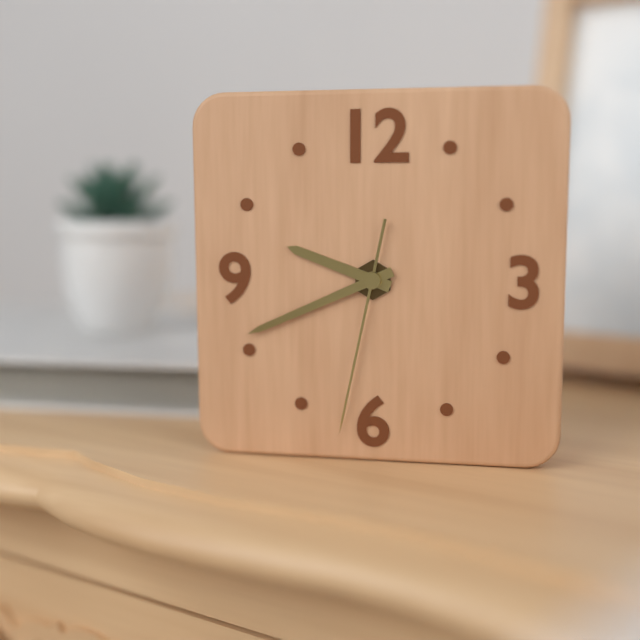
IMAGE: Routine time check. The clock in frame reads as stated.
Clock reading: 9:41:32
